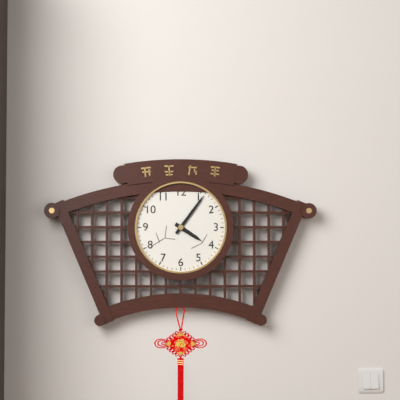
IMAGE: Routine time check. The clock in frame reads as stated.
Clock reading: 4:06
